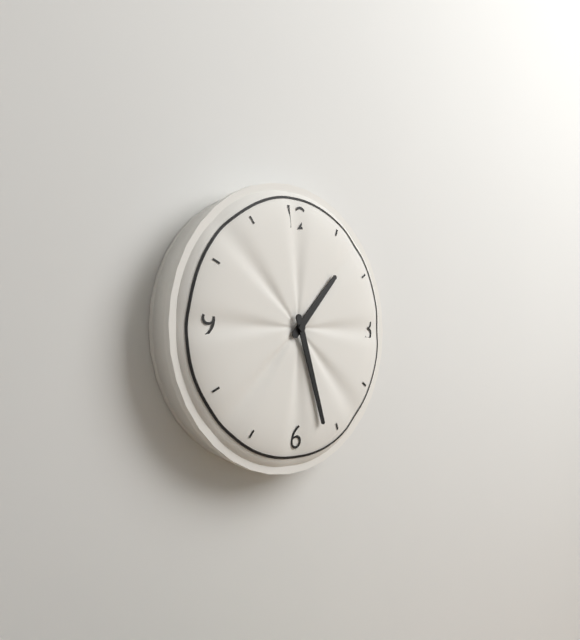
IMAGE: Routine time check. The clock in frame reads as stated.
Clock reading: 1:27
